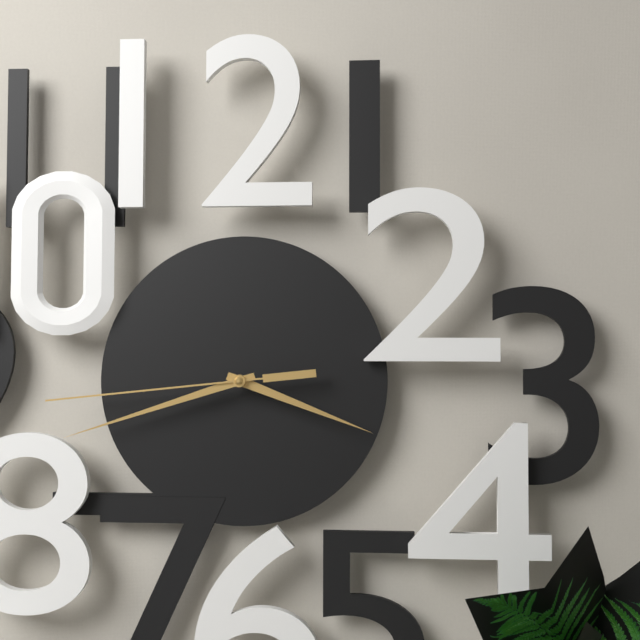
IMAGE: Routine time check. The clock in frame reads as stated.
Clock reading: 3:42:44
